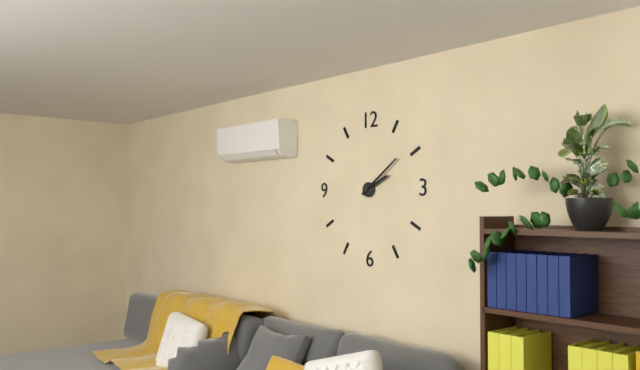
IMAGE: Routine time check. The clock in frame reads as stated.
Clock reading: 2:09
